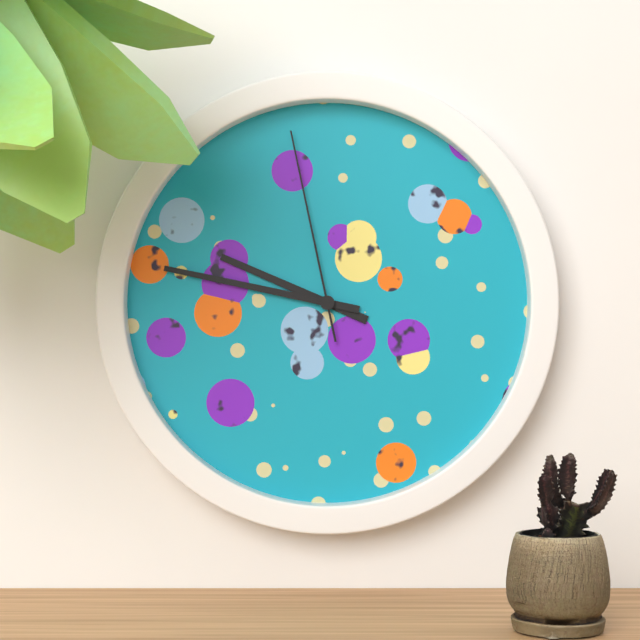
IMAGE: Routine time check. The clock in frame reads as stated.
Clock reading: 9:47:58
